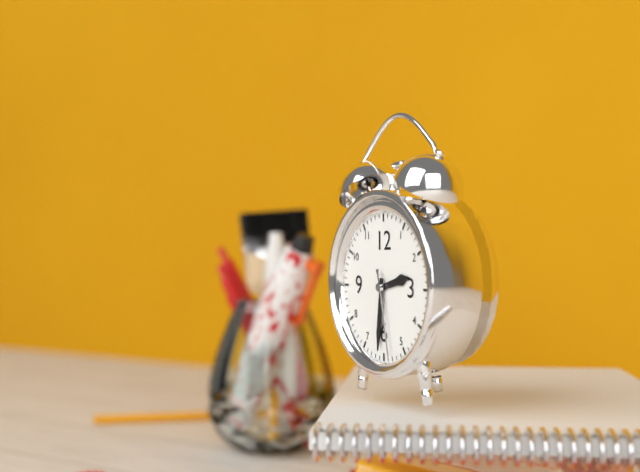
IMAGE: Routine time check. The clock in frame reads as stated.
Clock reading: 2:31:28
